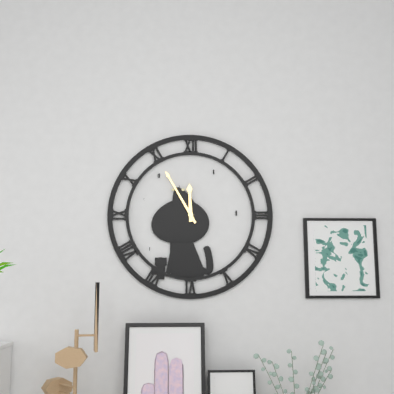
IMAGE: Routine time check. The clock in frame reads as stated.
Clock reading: 11:55
